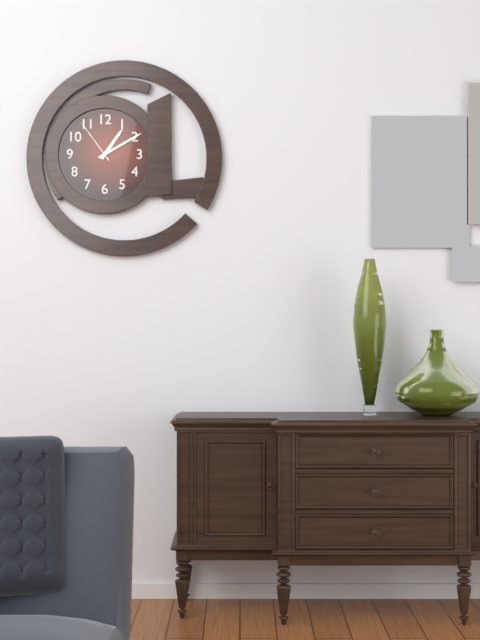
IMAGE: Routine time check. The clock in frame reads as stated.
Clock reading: 1:10:54
